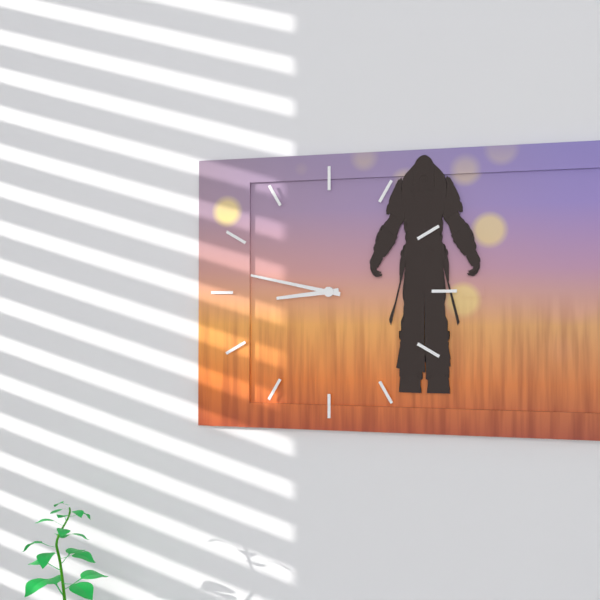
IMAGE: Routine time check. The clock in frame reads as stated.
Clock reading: 8:47
